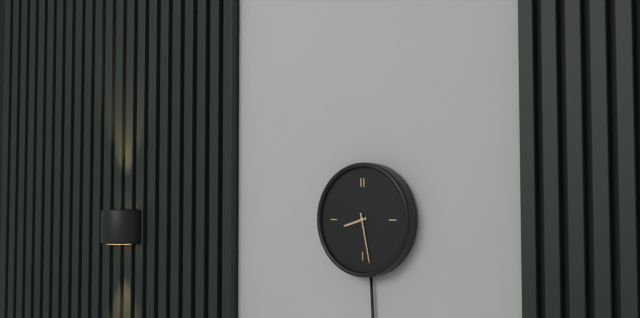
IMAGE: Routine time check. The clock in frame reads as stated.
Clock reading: 8:28
